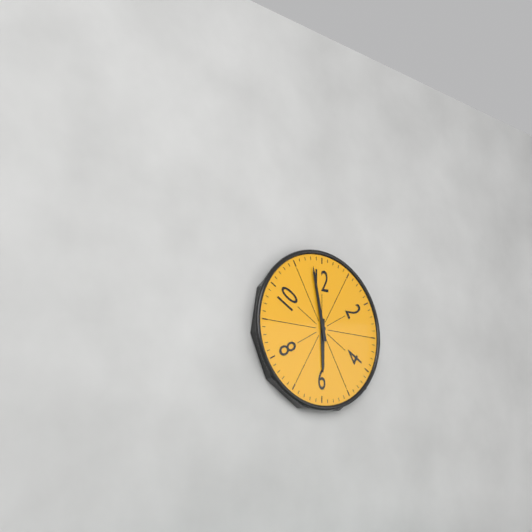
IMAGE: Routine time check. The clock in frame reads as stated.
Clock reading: 5:58
